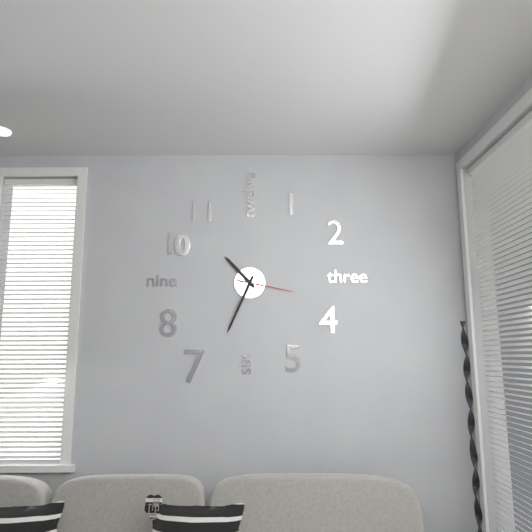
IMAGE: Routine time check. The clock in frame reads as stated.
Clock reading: 10:34:17
